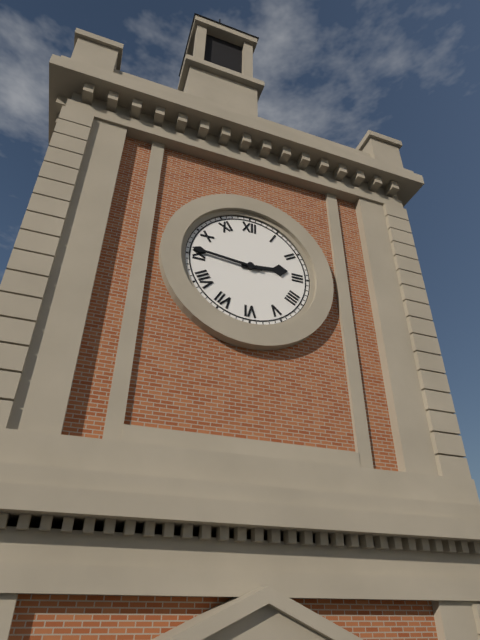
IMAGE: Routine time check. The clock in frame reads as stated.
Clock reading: 2:46
